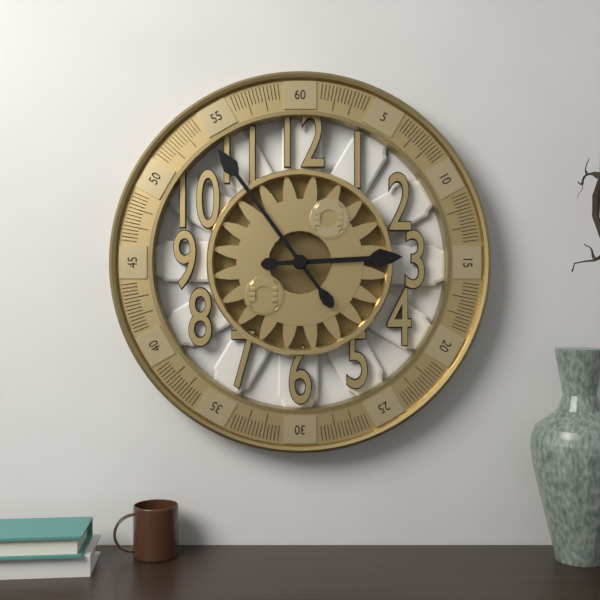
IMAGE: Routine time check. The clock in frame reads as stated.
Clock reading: 2:54
